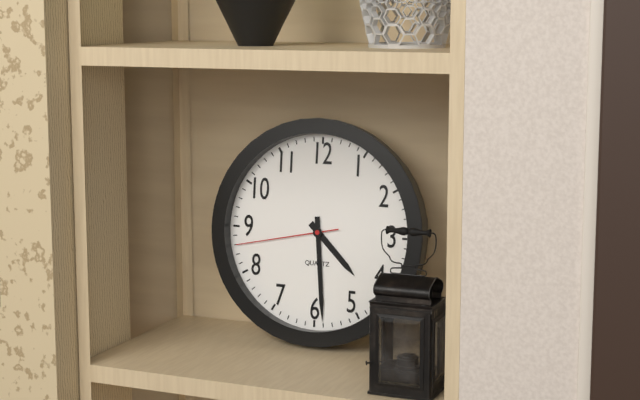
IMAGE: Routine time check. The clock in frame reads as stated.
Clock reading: 4:29:43
